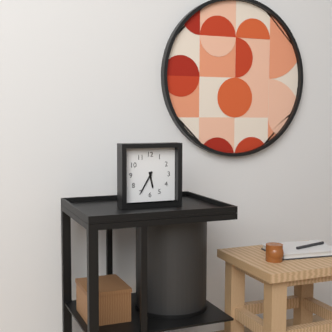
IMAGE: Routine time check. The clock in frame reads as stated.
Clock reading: 5:35
